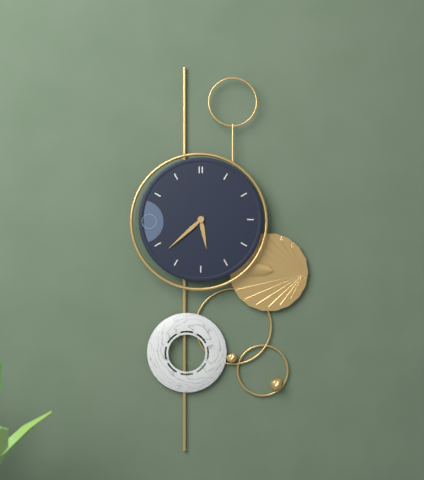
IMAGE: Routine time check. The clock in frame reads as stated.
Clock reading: 5:38
